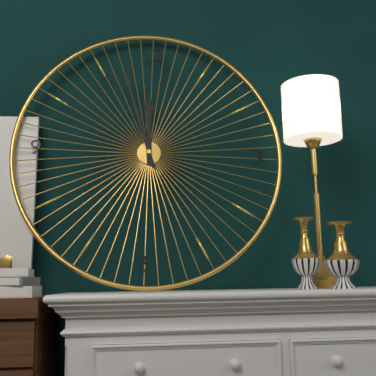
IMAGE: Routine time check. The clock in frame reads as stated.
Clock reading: 11:57
